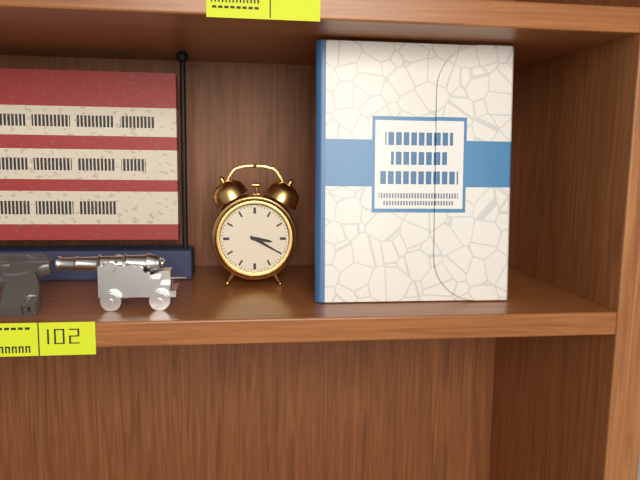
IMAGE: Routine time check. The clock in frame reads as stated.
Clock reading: 3:20
